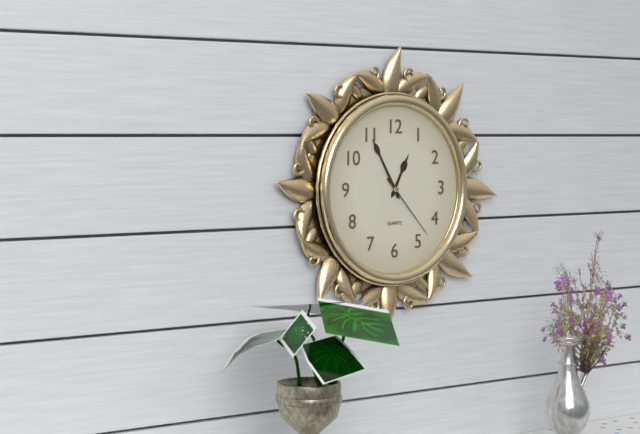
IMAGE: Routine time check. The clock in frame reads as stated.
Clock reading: 12:55:23
